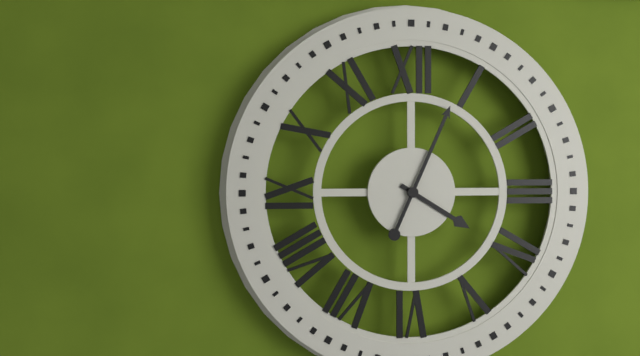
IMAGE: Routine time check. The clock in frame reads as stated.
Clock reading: 4:04
